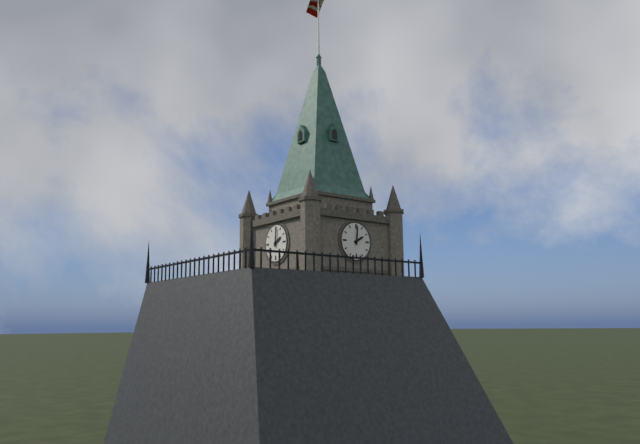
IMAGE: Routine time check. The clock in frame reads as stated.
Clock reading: 2:01
